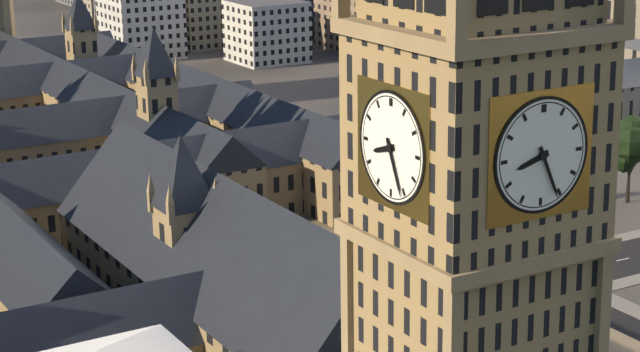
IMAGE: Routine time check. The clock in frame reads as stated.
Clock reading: 8:26
